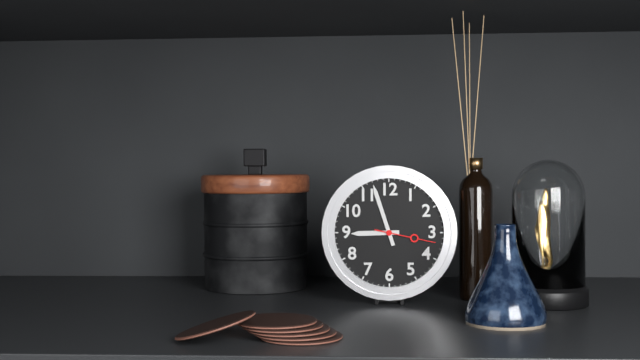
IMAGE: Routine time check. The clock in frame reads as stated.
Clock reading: 8:57:17
